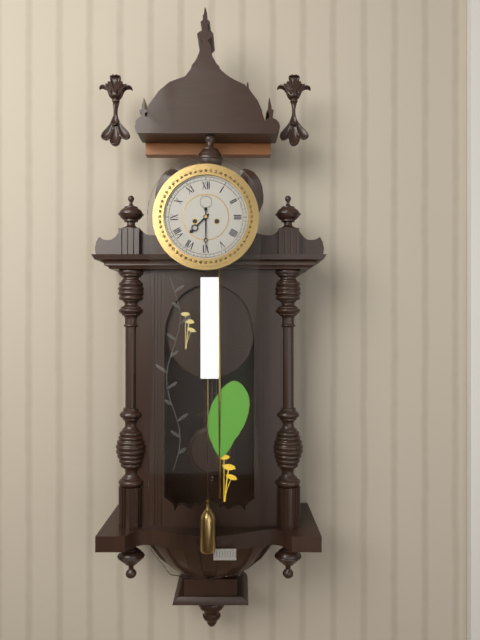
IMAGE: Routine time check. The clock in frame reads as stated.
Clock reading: 7:30
